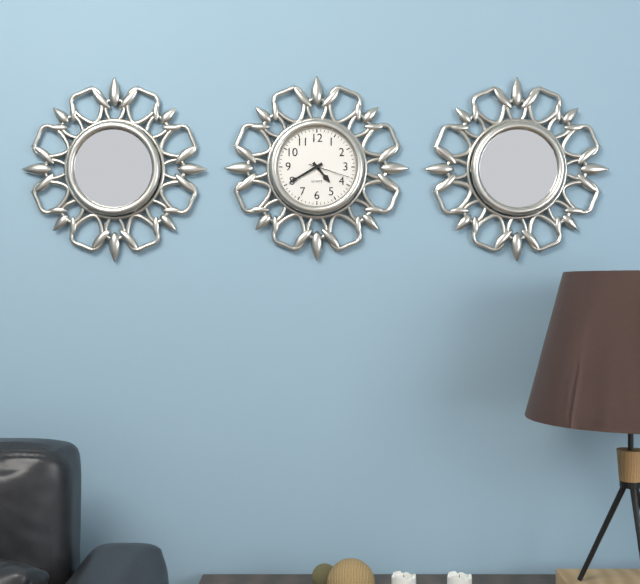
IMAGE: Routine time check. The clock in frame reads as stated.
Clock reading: 4:40
